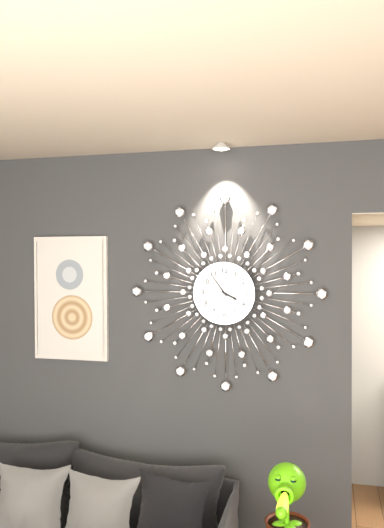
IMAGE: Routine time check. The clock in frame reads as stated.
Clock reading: 3:54
